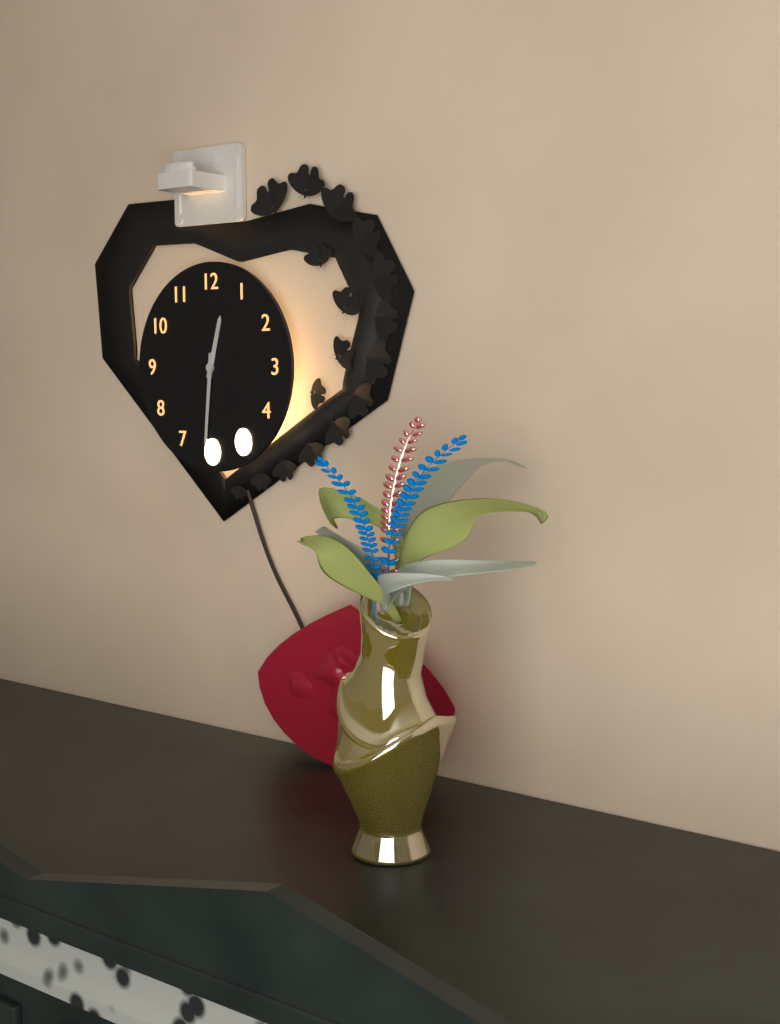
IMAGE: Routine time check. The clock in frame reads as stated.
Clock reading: 12:31
